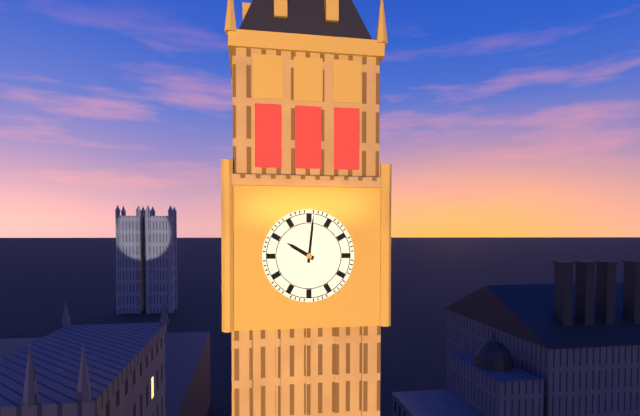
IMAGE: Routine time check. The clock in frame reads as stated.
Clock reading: 10:01
